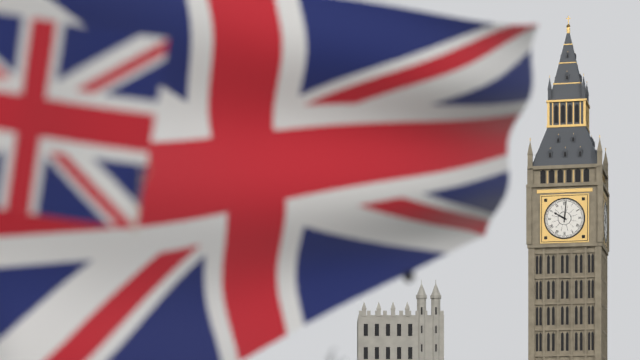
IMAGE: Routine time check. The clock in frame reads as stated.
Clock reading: 10:01
